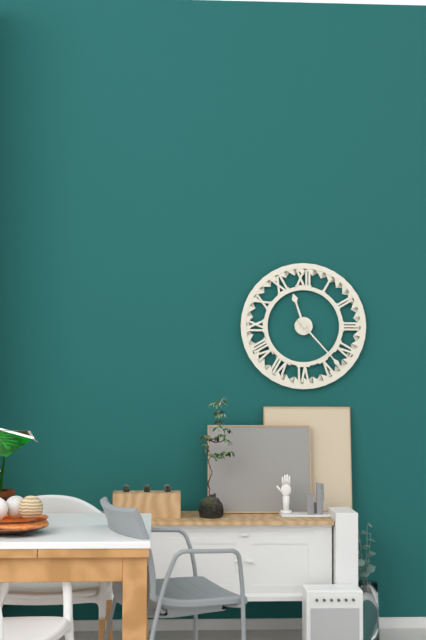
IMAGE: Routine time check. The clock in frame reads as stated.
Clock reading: 11:23
